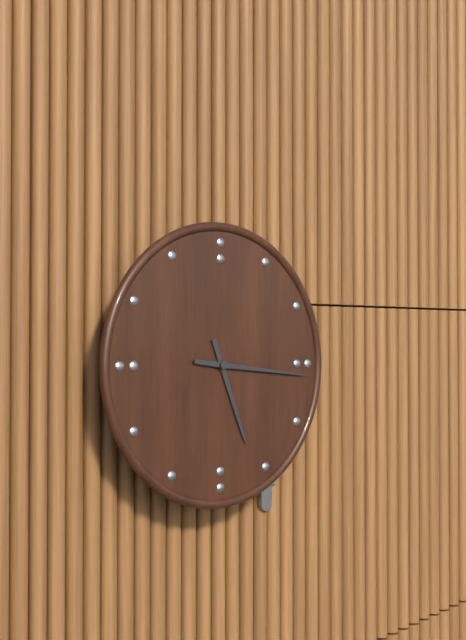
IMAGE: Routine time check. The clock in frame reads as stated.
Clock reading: 5:16
